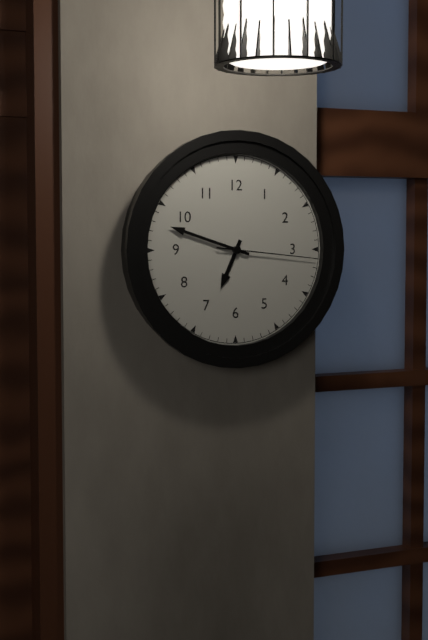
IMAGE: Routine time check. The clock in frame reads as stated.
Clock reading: 6:48:16
